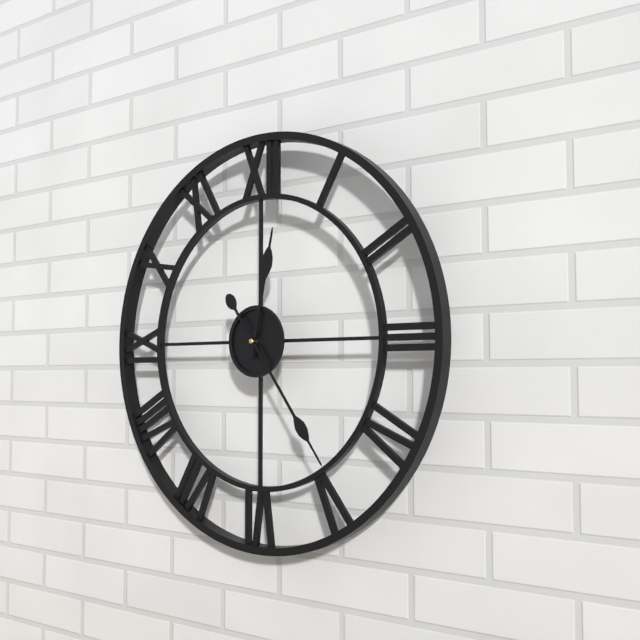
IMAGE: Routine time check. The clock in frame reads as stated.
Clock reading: 12:24
